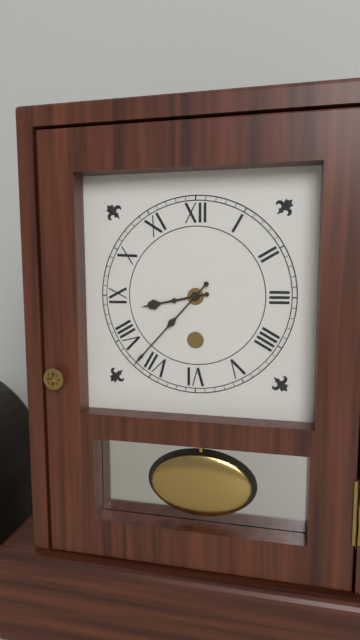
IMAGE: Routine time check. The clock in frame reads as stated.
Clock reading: 8:37
